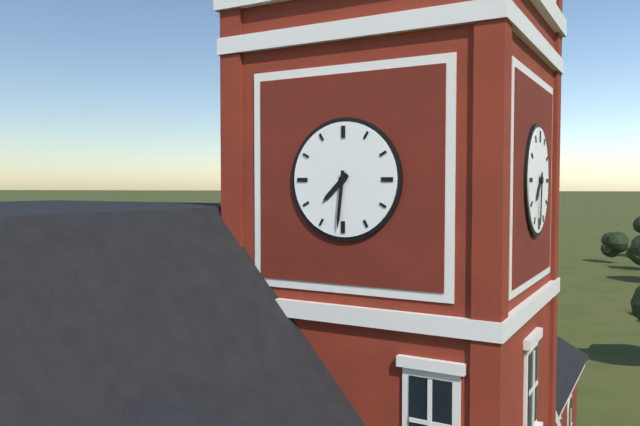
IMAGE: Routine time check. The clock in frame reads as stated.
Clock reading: 7:31
